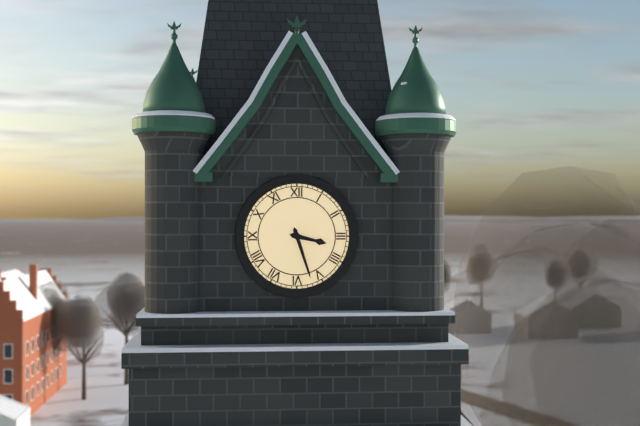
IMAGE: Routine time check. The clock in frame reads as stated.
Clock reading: 3:27
